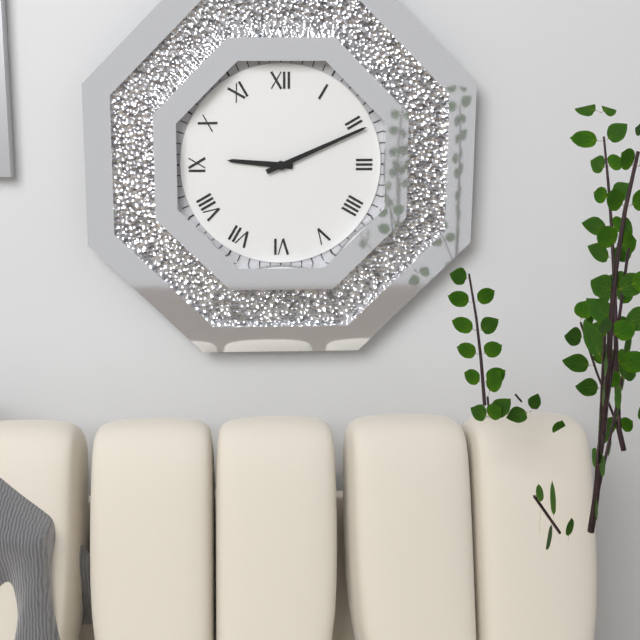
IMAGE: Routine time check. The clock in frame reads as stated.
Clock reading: 9:11
